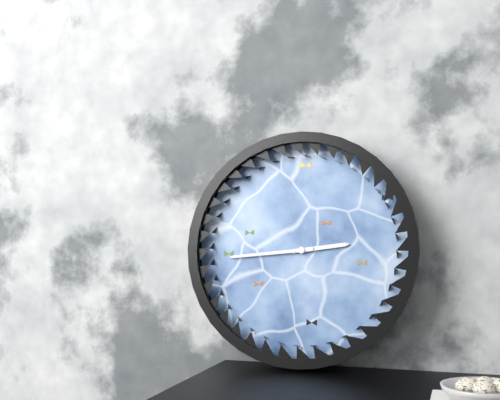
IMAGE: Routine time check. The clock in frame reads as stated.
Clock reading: 2:44
